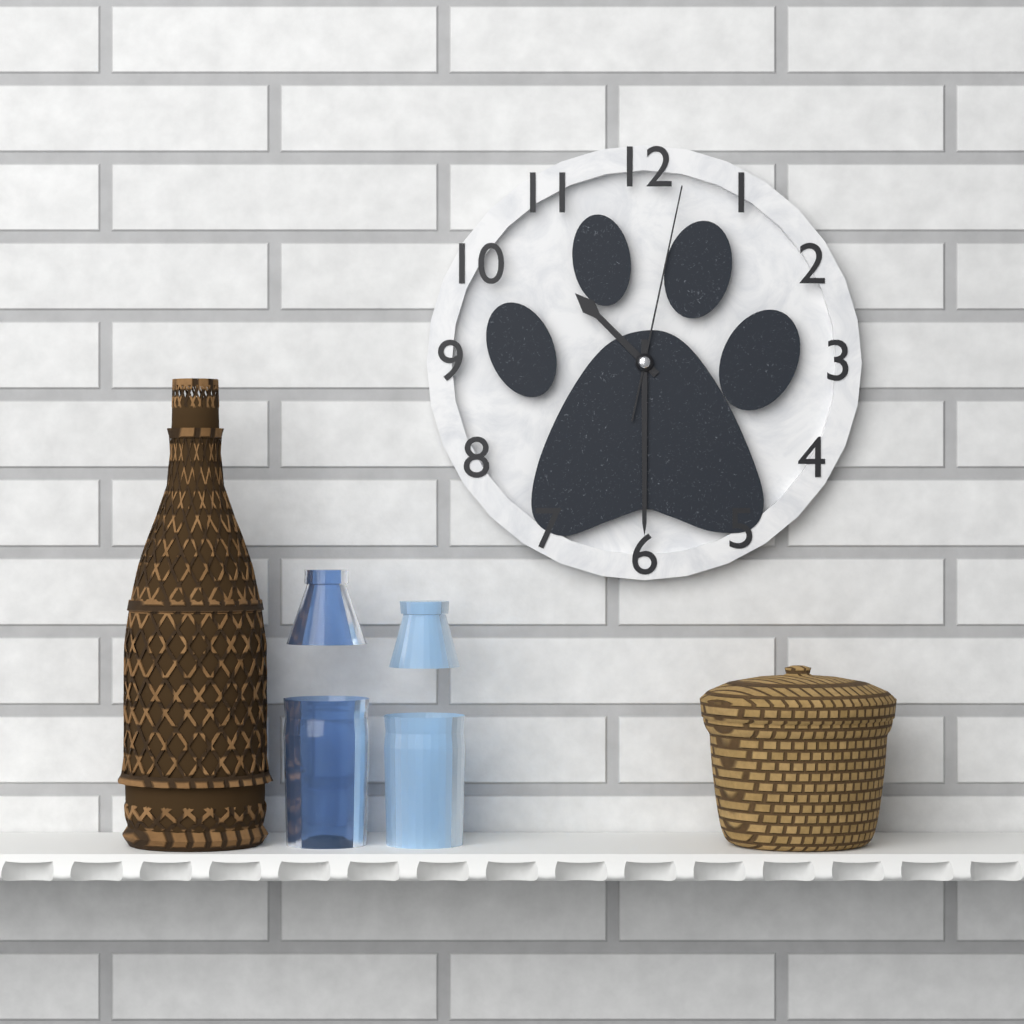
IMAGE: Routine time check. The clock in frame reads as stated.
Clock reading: 10:30:02
